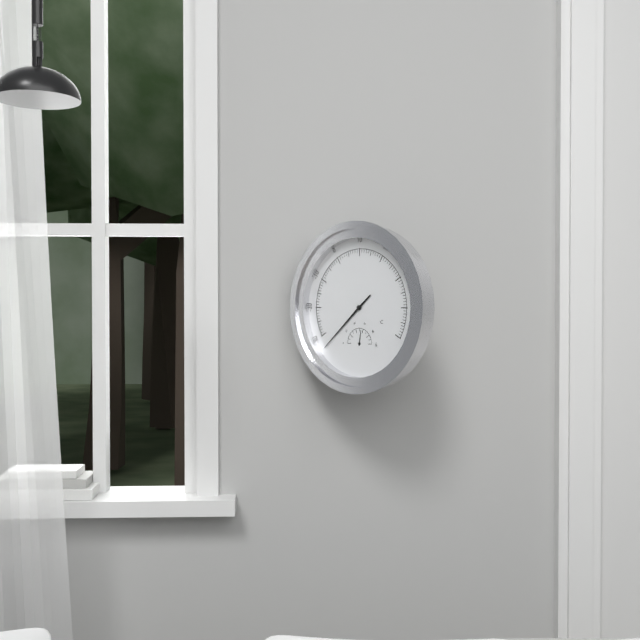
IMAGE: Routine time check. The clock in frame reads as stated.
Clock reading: 1:38
